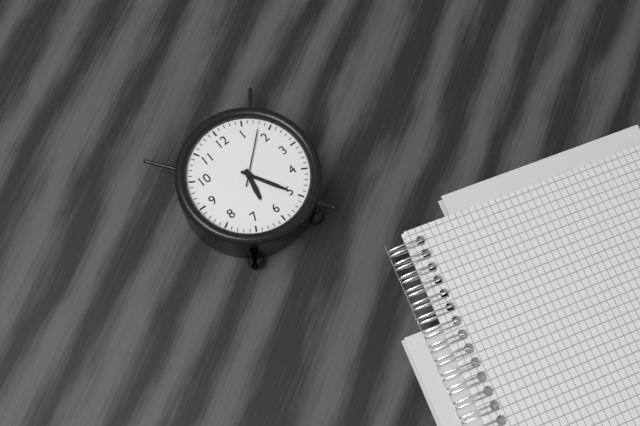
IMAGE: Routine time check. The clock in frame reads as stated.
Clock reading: 6:25:08
